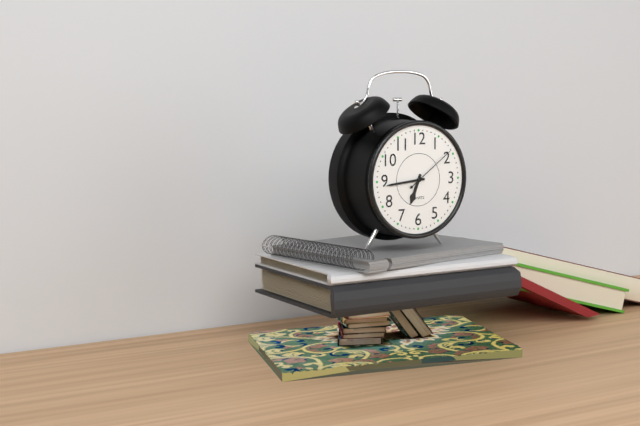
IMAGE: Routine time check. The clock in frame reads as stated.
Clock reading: 6:44:09
